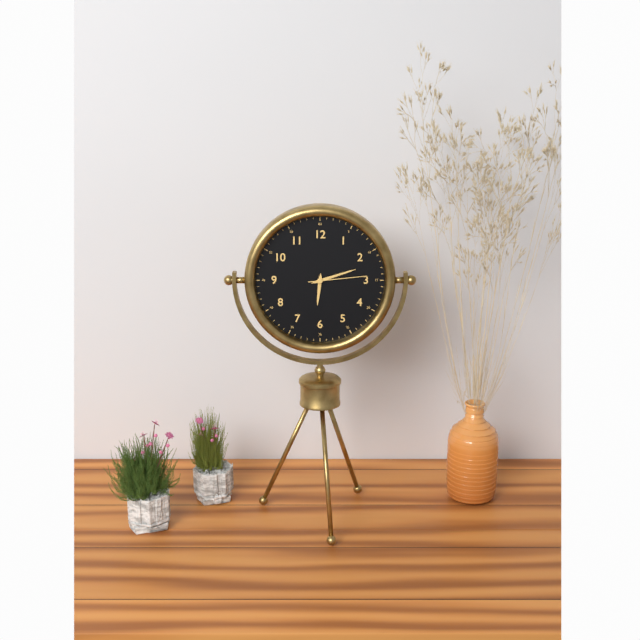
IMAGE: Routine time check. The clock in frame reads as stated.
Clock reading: 6:12:14
